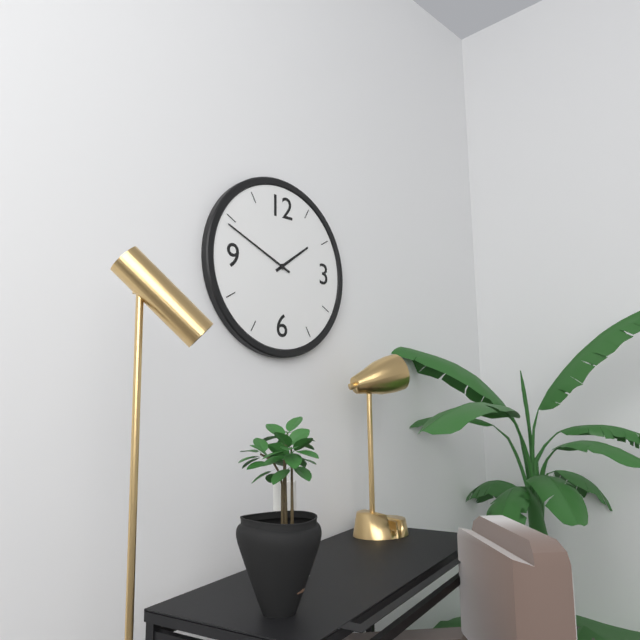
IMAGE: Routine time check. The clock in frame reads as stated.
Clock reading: 1:49
